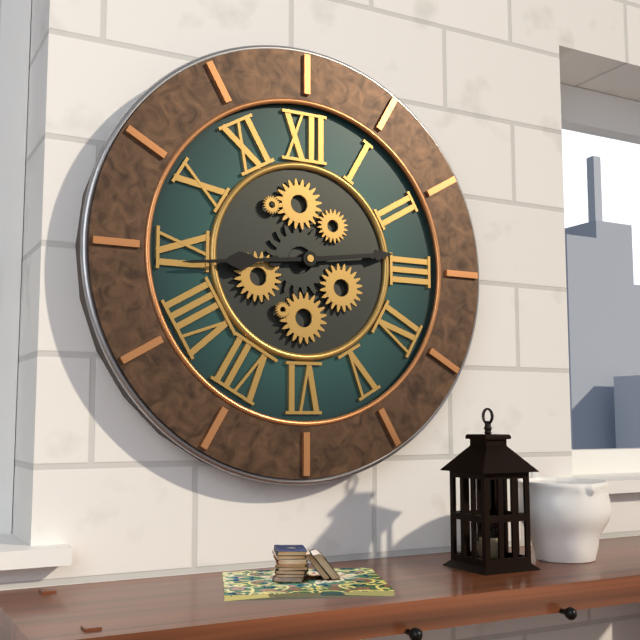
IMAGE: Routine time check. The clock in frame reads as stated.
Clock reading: 2:44
